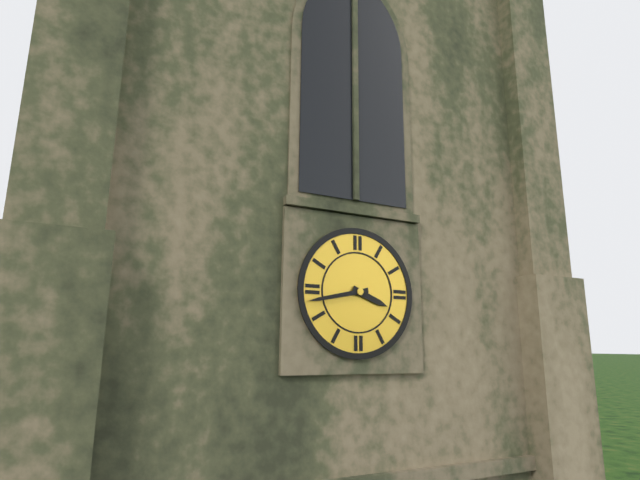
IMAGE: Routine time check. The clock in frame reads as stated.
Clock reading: 3:43
